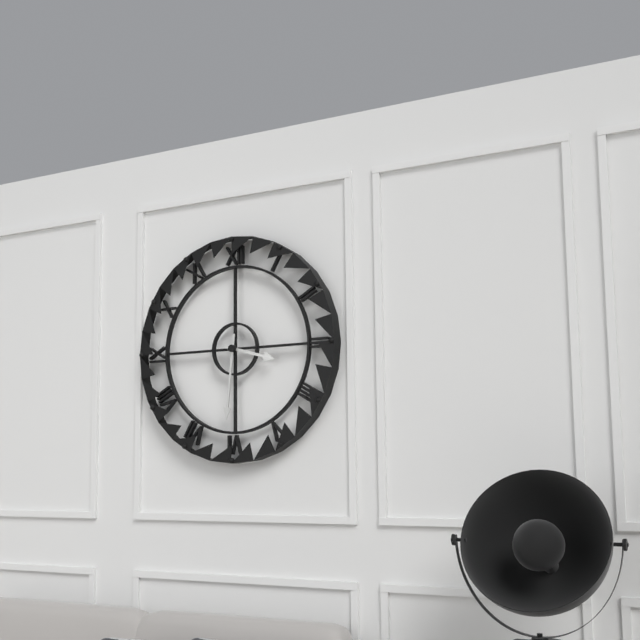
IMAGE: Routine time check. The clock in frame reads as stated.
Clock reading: 3:31
